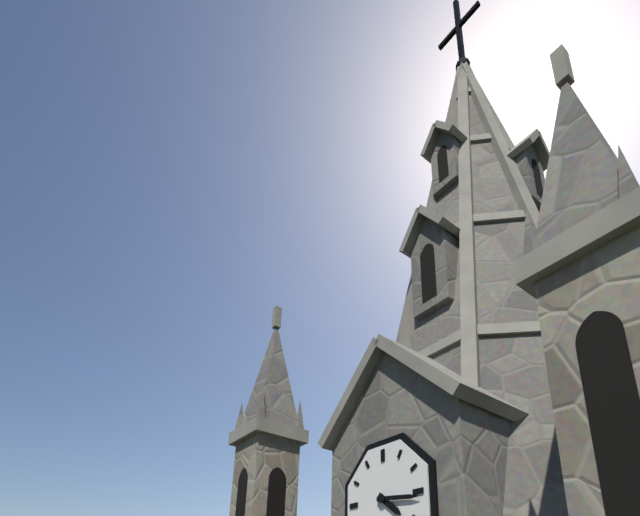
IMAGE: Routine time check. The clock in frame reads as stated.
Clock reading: 4:16
